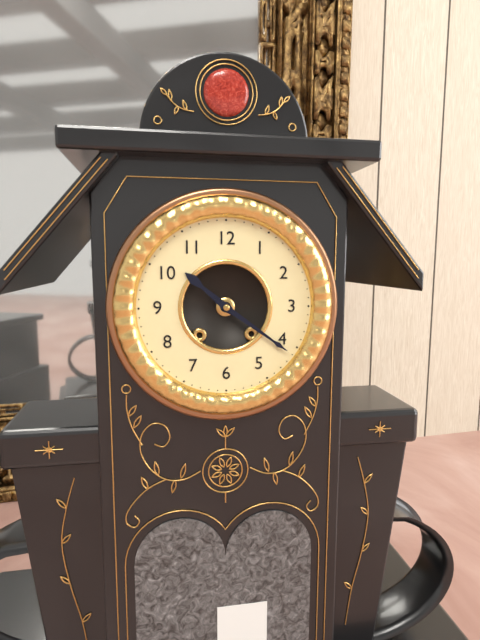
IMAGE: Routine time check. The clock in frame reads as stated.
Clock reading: 10:21
